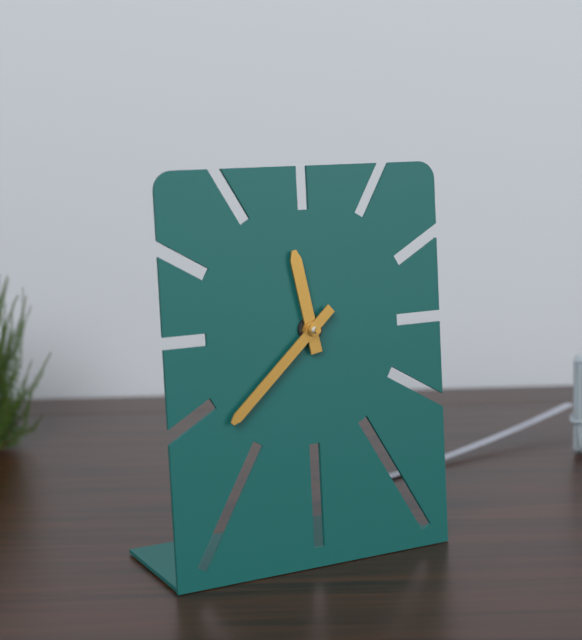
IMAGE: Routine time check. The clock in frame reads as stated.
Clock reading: 11:38
